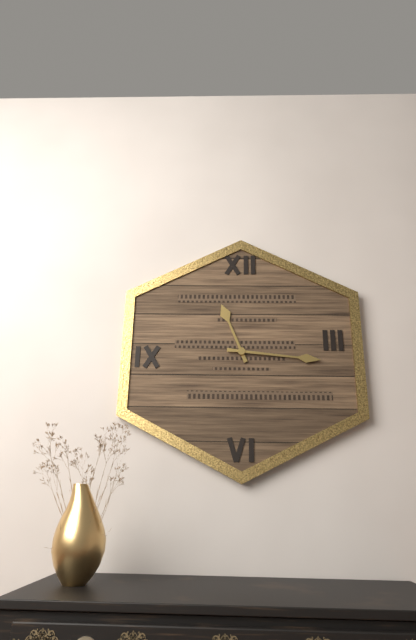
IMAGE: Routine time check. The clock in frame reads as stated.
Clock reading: 11:16
